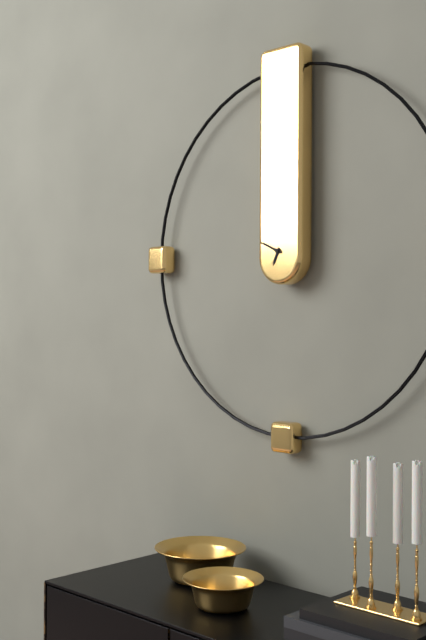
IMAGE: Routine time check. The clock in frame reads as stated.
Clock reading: 6:49
